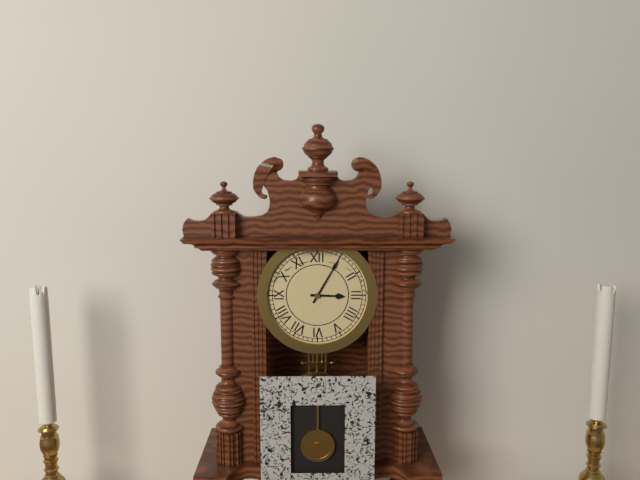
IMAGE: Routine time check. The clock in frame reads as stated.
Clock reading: 3:05
